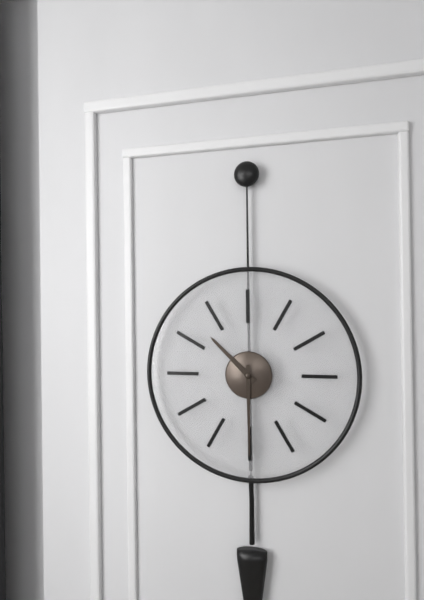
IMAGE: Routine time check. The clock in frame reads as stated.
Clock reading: 10:30
